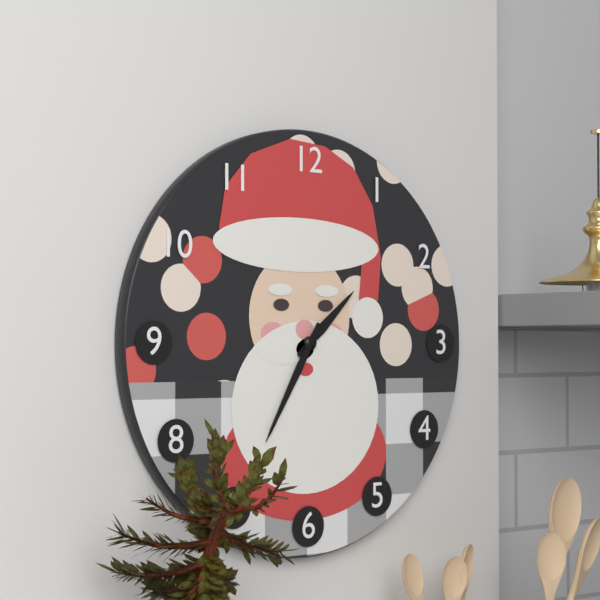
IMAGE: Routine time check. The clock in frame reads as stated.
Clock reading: 1:35
